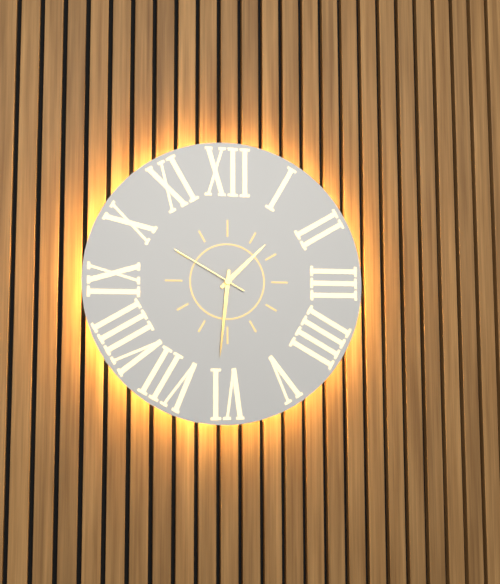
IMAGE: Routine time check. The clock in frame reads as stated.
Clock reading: 1:31:50
